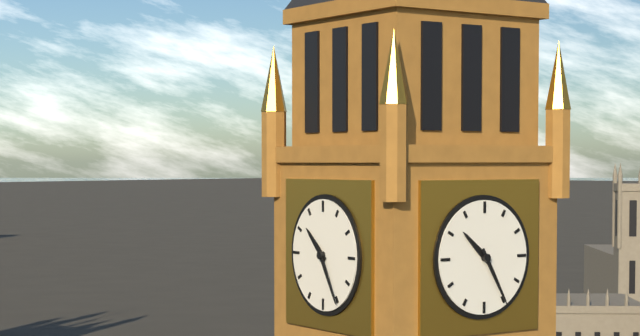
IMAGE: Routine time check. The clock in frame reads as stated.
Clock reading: 10:25
